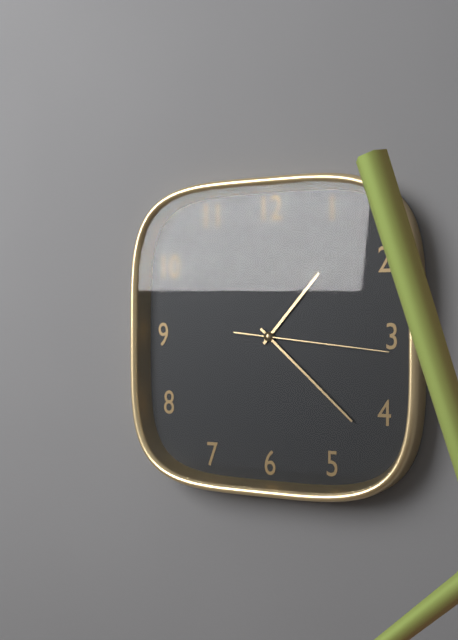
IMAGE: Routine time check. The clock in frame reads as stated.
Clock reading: 1:22:16
